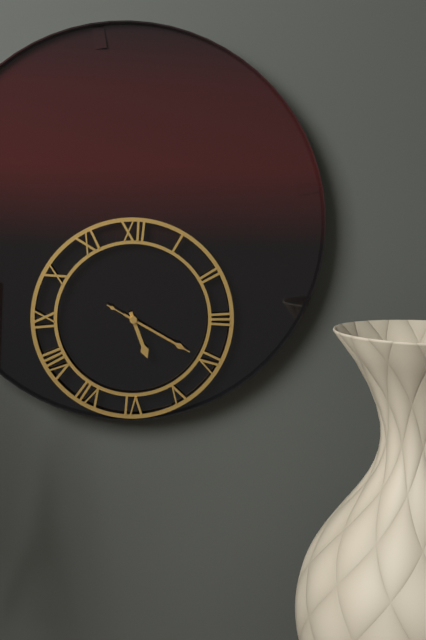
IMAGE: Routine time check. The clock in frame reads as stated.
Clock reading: 5:20:20
